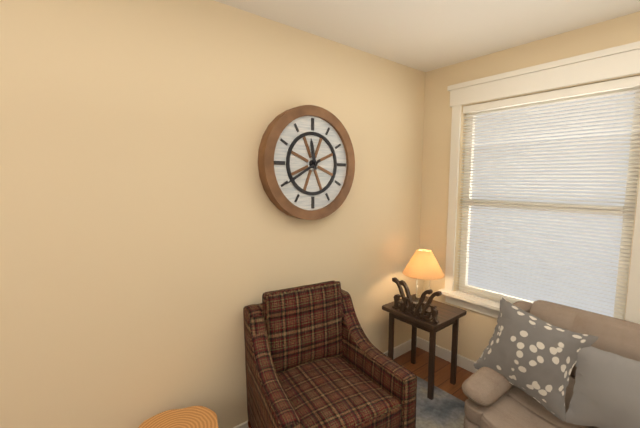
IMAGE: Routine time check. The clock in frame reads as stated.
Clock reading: 11:40
